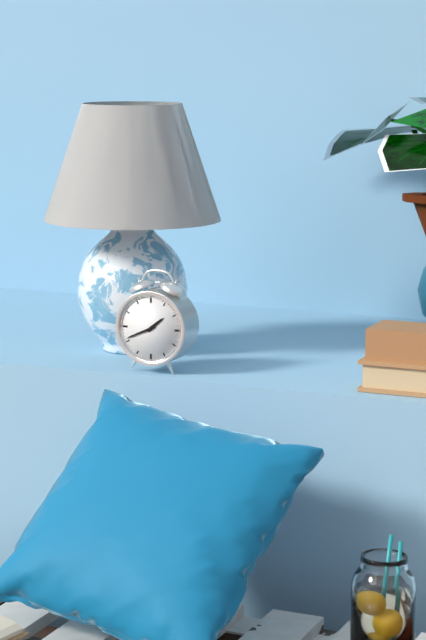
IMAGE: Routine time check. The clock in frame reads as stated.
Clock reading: 1:41
